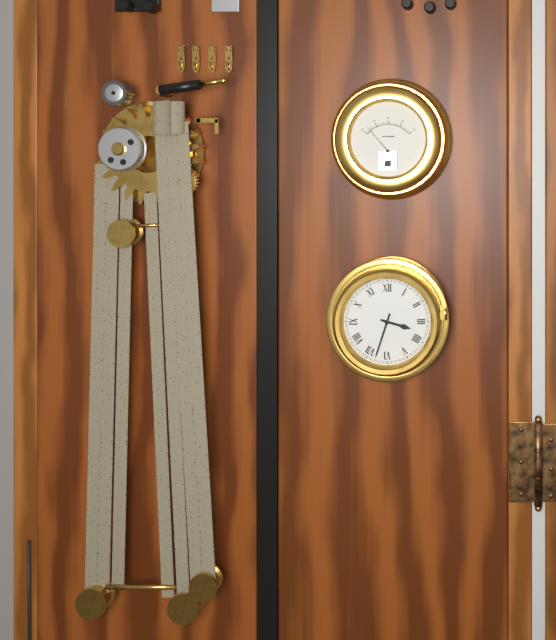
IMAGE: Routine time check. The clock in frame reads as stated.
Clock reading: 3:33
